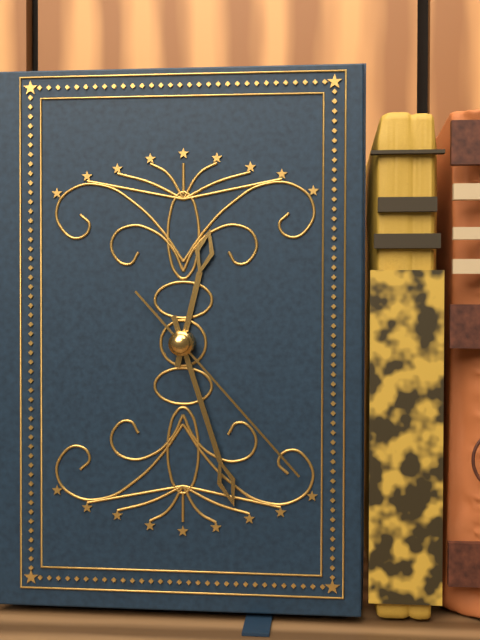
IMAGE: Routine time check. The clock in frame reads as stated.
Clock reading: 12:27:23
